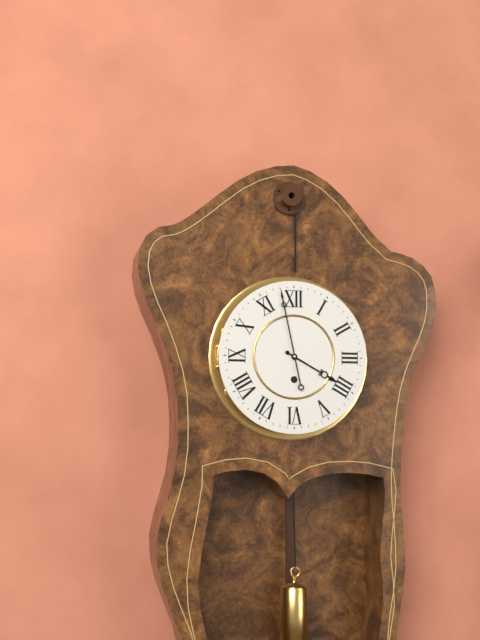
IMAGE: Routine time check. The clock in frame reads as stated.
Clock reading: 3:58
